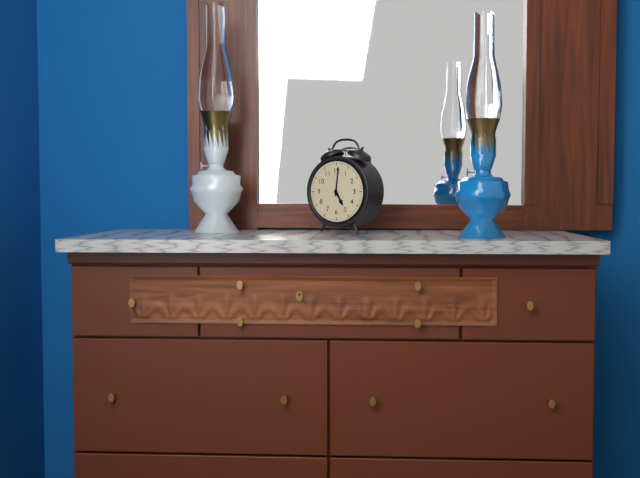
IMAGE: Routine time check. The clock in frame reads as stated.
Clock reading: 5:01
